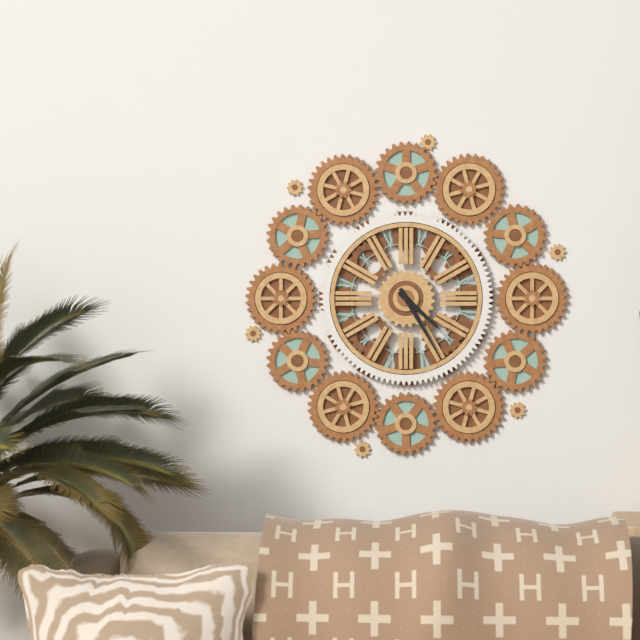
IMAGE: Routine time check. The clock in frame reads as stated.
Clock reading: 4:25
